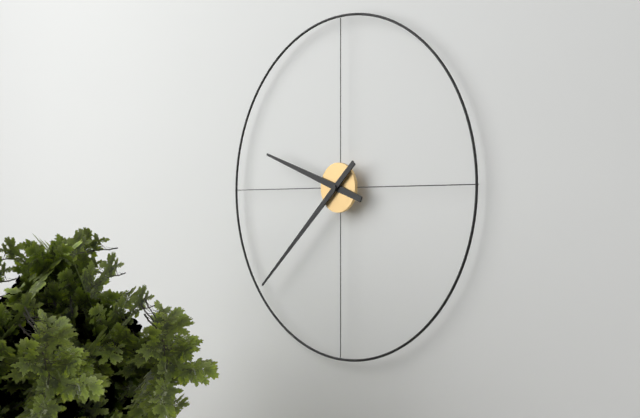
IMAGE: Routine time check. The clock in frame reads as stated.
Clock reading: 9:38
